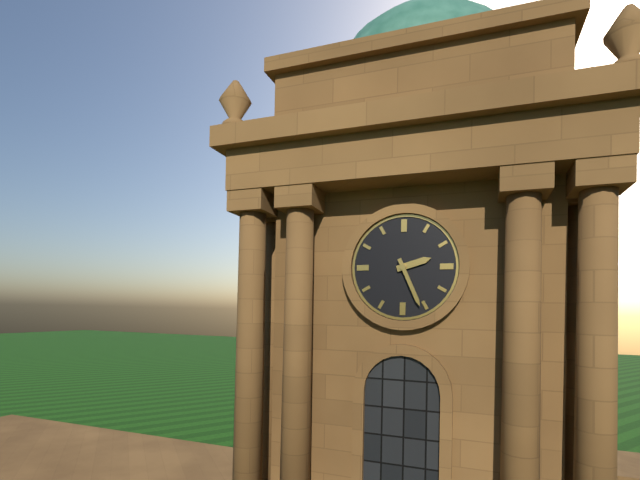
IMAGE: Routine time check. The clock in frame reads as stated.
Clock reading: 2:26
